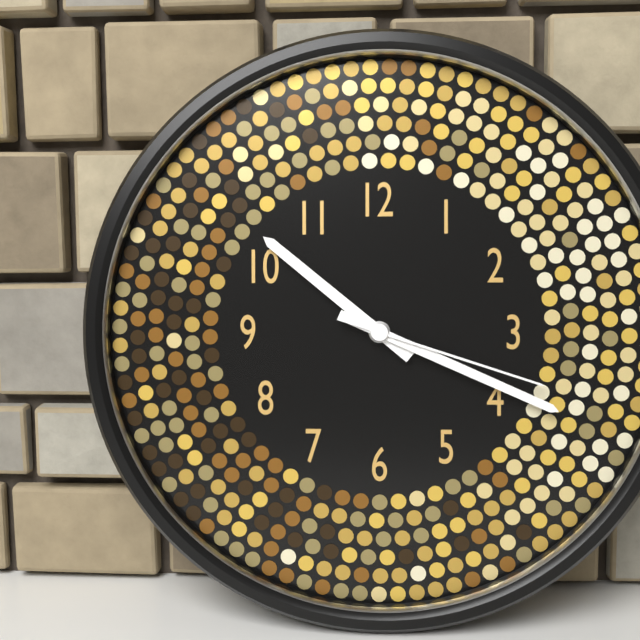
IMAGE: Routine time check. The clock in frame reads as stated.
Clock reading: 10:19:18
